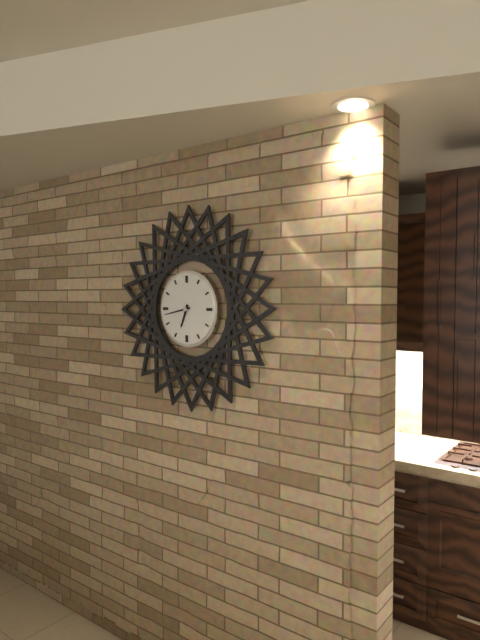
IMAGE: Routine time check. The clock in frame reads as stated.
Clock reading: 6:43
